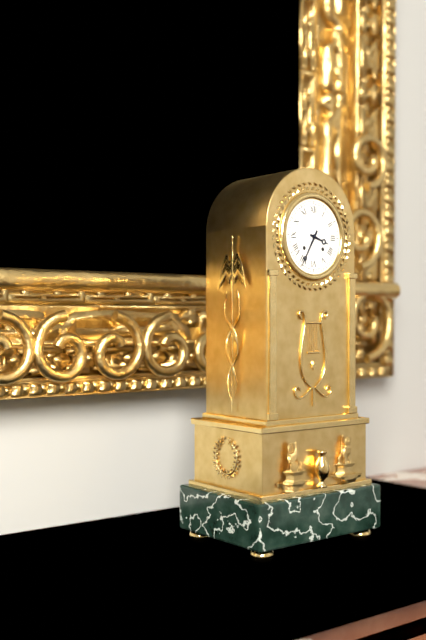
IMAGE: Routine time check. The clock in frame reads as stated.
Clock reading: 3:35
